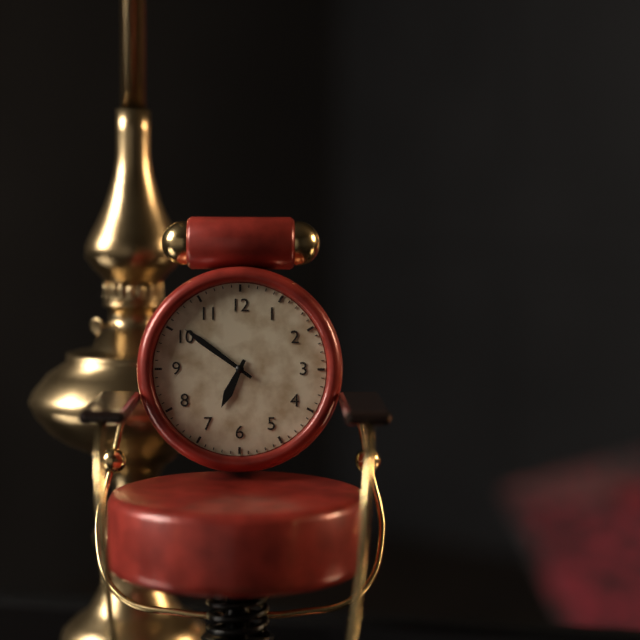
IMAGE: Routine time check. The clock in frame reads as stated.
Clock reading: 6:51
